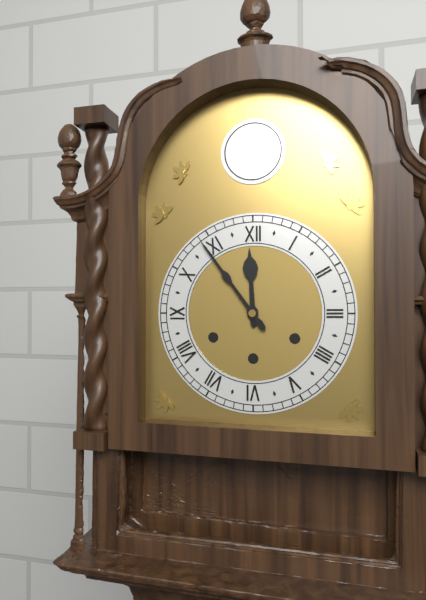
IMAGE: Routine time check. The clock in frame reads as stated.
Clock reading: 11:54
